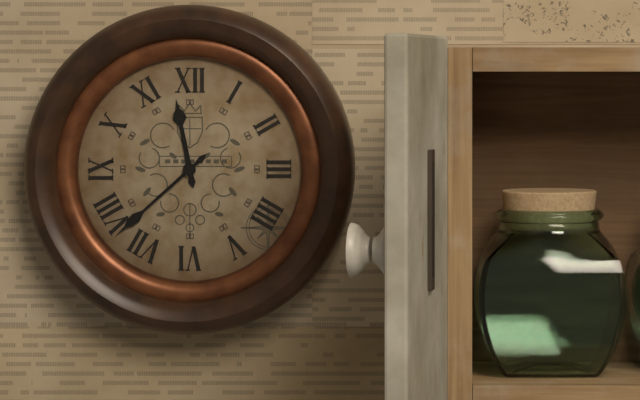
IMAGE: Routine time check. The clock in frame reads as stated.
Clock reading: 11:38
